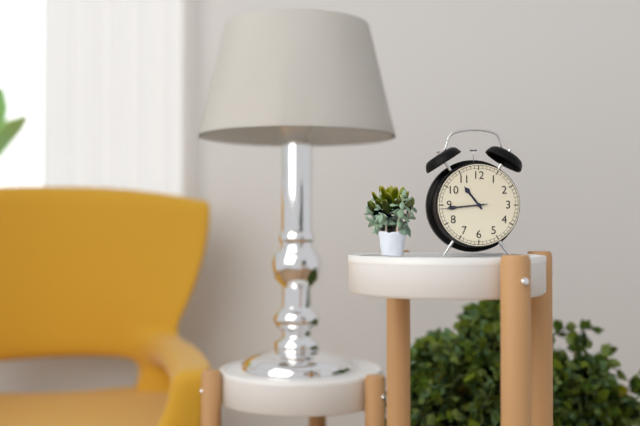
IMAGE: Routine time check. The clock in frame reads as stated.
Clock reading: 10:44
